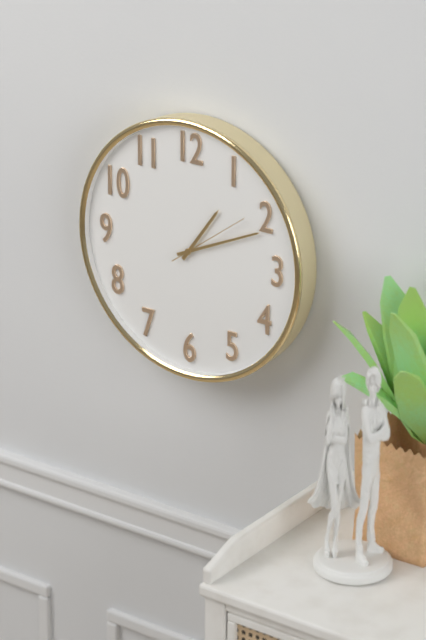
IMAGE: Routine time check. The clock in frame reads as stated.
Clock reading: 1:11:09
